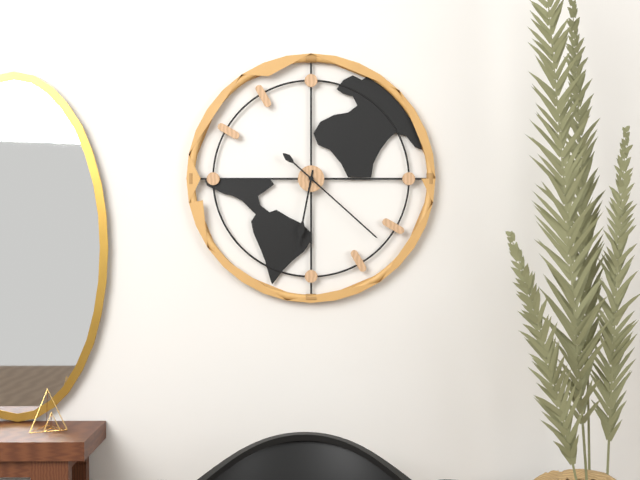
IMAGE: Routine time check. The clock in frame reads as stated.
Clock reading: 6:22
